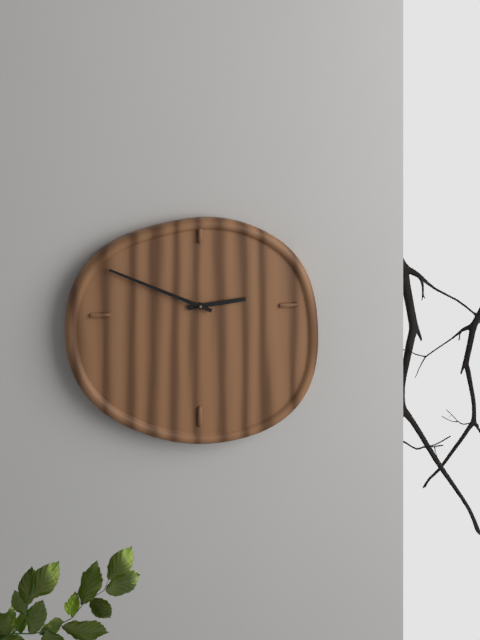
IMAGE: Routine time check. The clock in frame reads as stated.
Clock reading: 2:49
